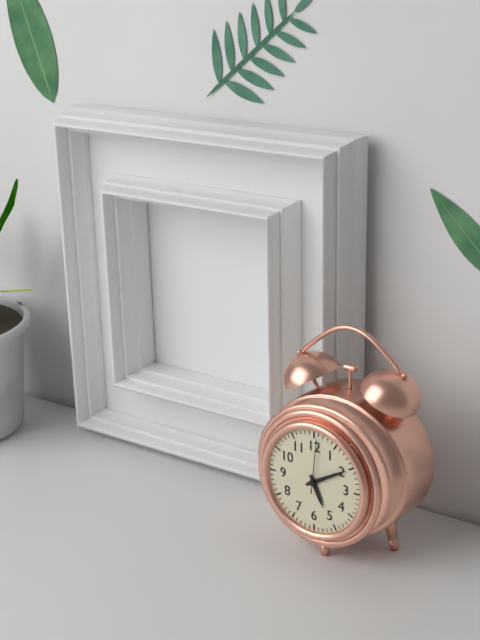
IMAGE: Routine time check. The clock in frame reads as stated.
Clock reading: 5:10:01
